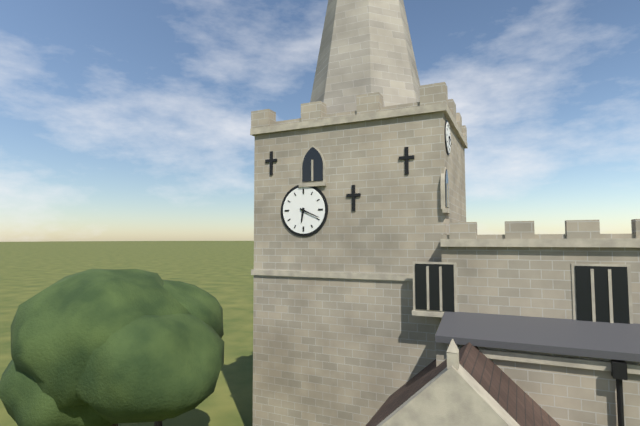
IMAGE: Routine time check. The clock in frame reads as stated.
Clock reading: 6:19
